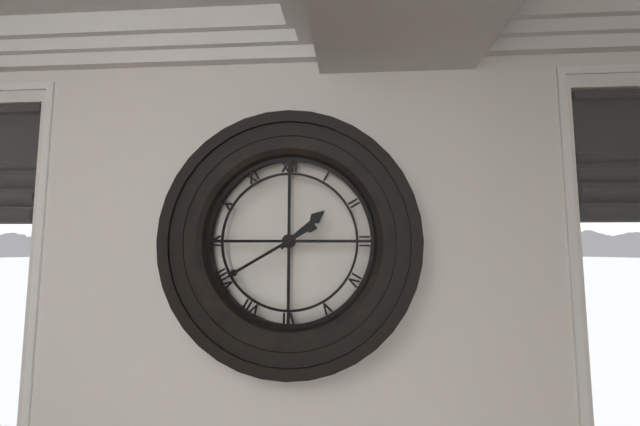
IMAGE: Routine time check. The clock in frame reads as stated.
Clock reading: 1:40
